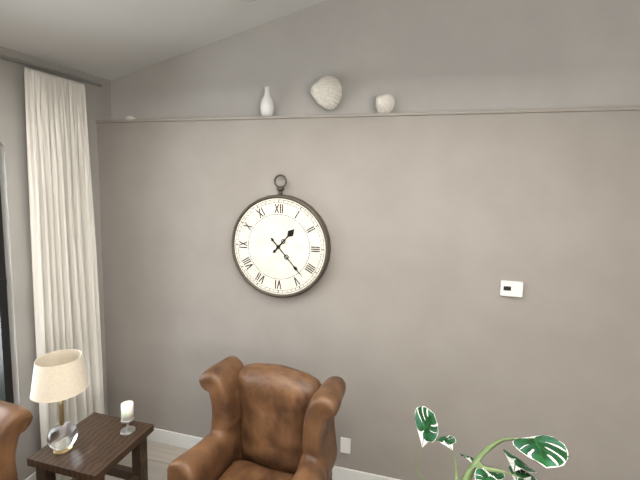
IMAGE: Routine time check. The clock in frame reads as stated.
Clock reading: 1:23
